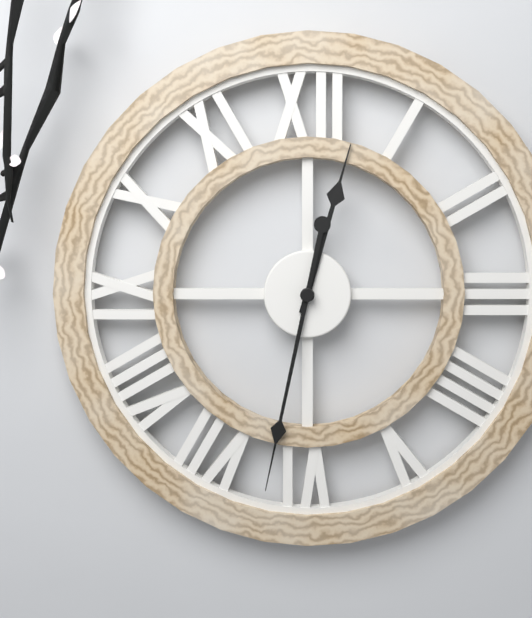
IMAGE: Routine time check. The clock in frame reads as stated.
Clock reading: 12:32
